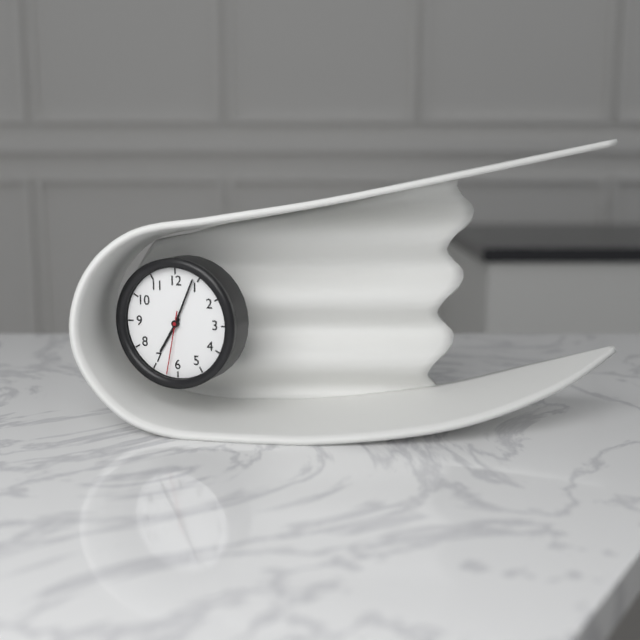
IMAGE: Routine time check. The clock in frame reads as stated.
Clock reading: 7:04:32
